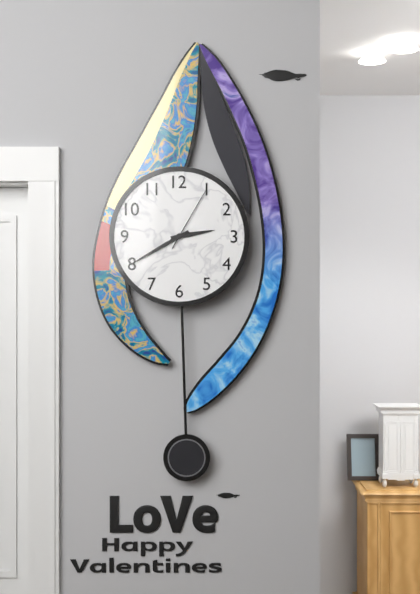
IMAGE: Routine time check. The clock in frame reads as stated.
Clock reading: 2:40:05
